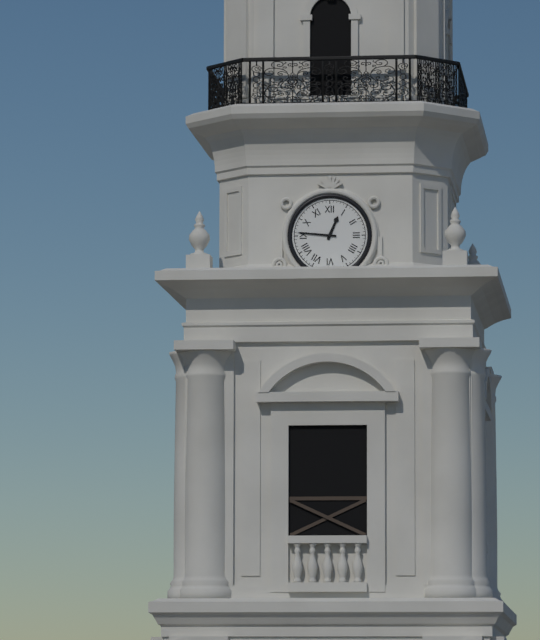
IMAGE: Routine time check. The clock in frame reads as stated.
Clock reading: 12:46
